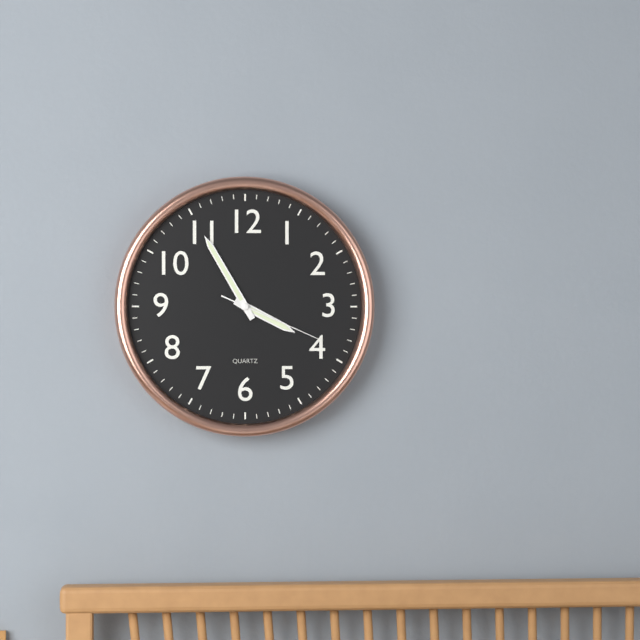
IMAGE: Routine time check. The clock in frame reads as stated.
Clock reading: 3:55:19
